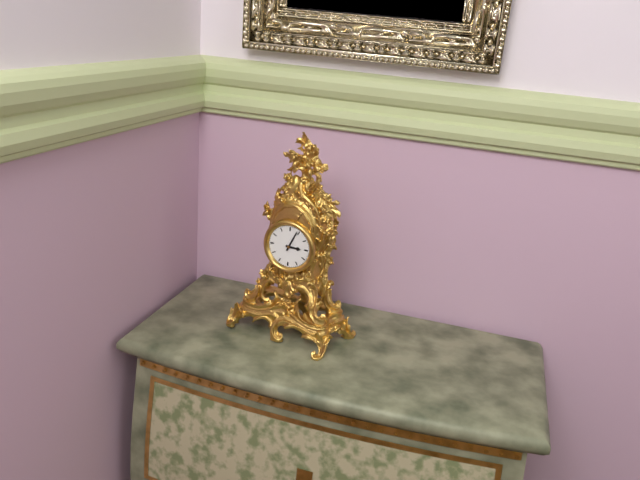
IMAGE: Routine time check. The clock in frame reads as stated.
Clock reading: 3:04
